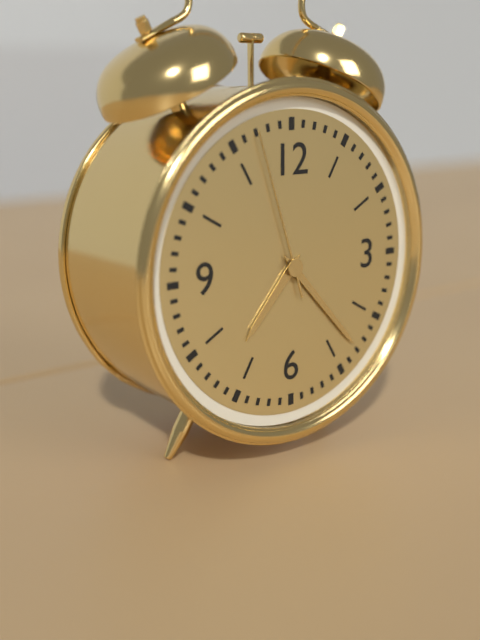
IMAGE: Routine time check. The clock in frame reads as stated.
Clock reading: 7:23:57
